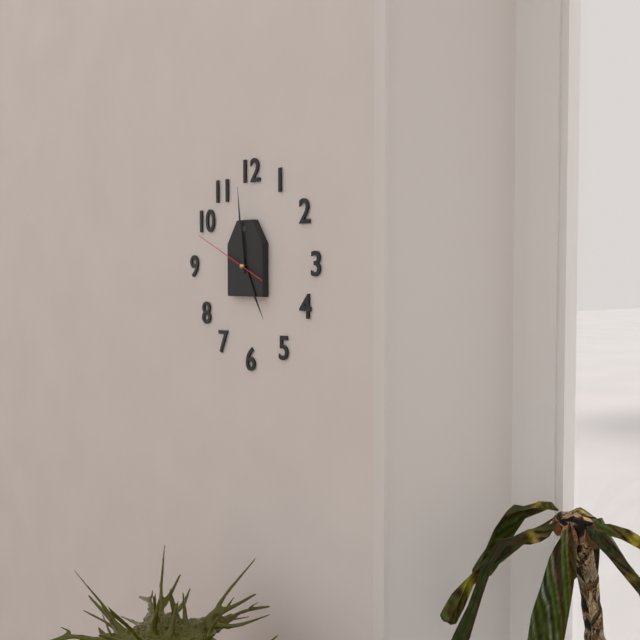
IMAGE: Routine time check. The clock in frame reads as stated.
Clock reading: 4:59:49
